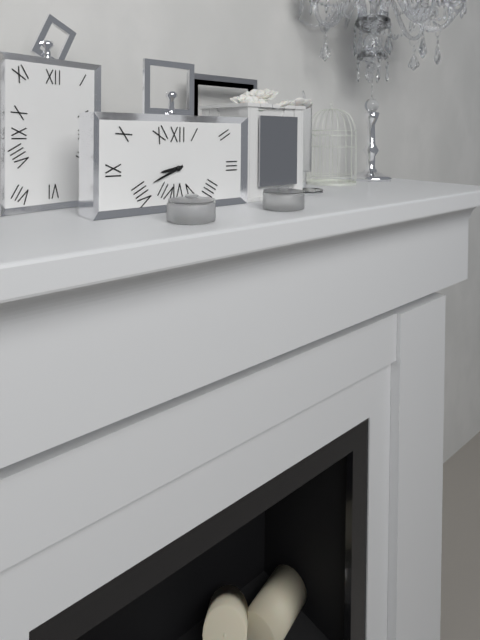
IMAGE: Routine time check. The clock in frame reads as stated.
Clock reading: 8:41
